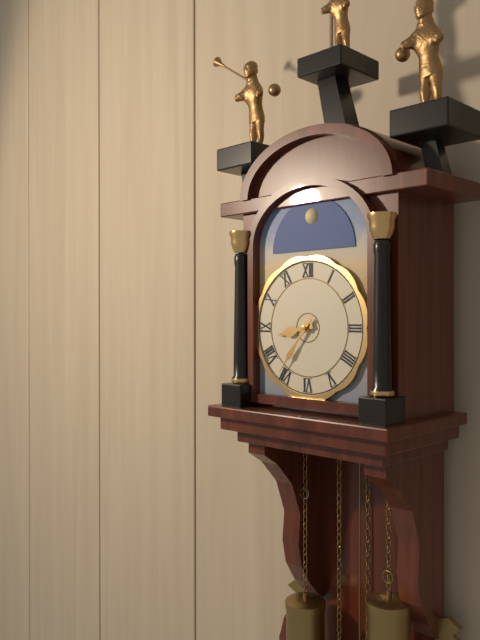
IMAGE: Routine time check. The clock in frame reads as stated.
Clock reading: 8:36
